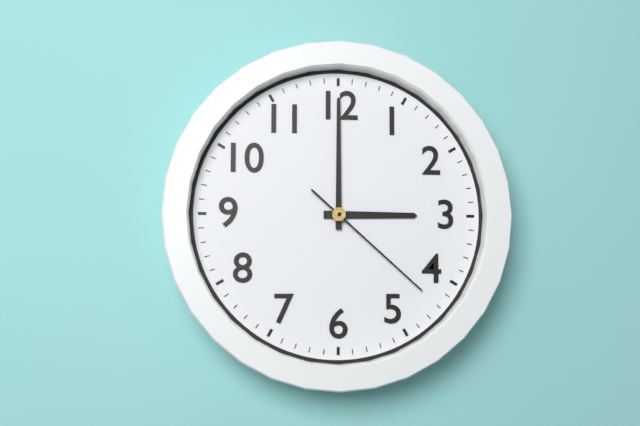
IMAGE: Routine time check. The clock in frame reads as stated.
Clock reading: 3:00:22
